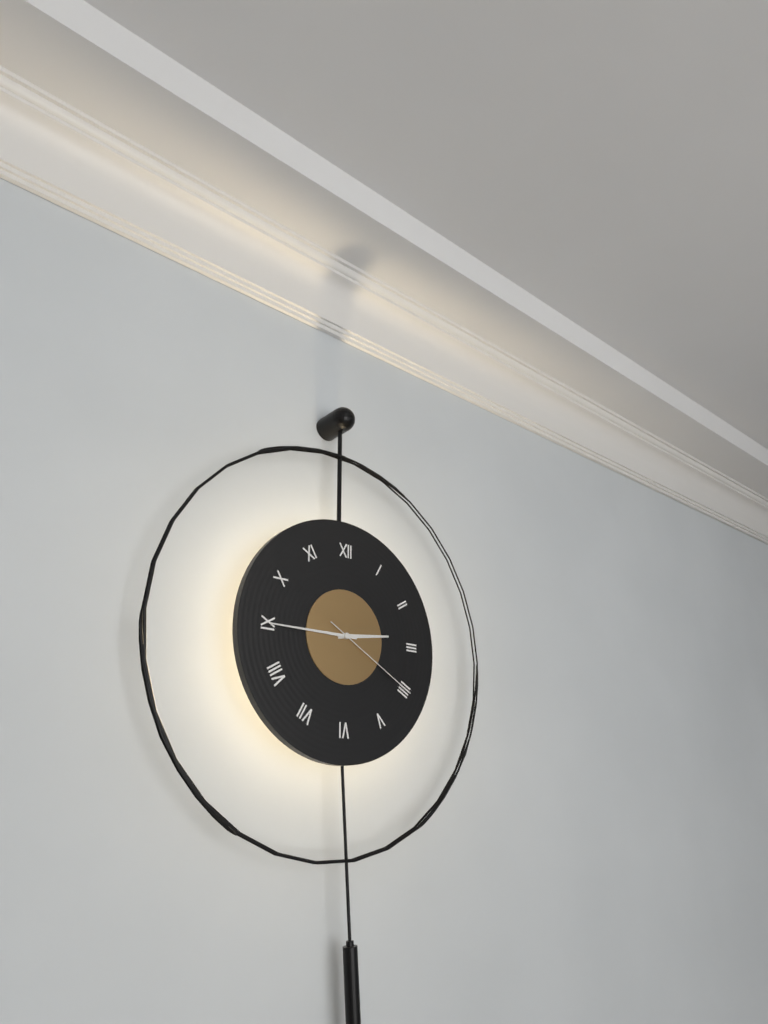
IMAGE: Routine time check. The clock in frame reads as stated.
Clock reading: 2:45:20
